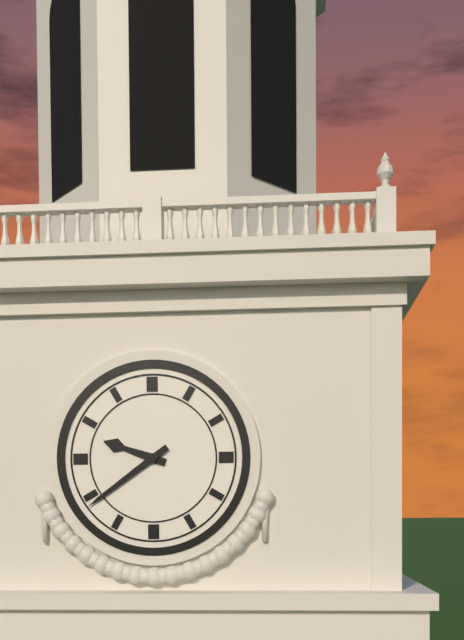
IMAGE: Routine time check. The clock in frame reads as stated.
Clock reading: 9:39
